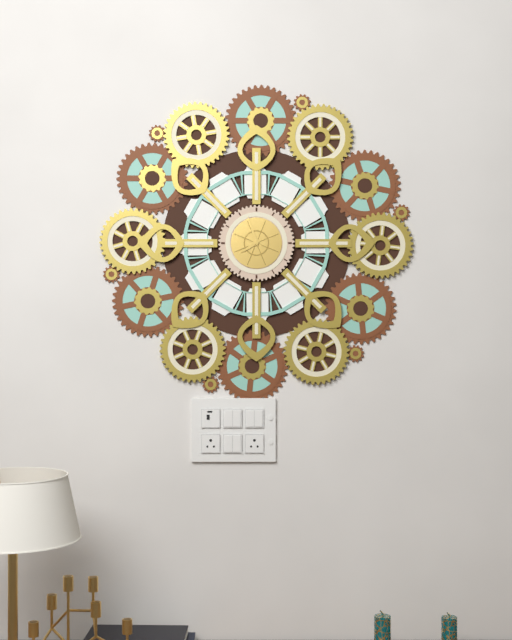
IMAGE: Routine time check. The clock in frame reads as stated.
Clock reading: 7:57
